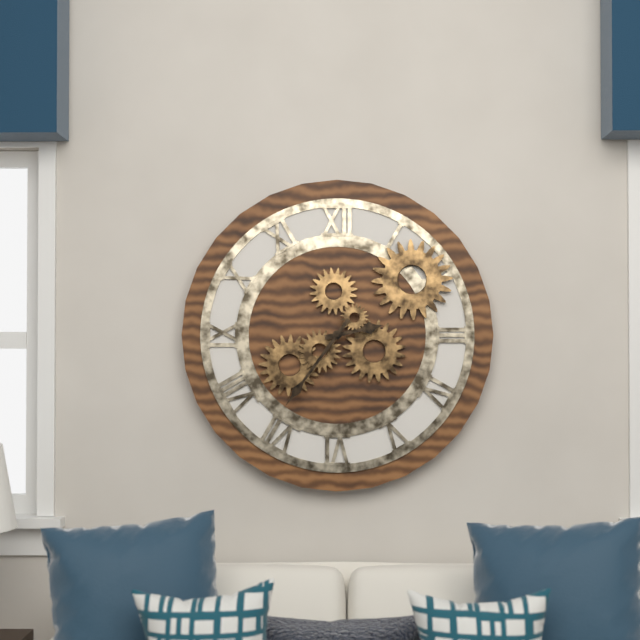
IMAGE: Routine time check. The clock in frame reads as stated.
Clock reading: 2:36
